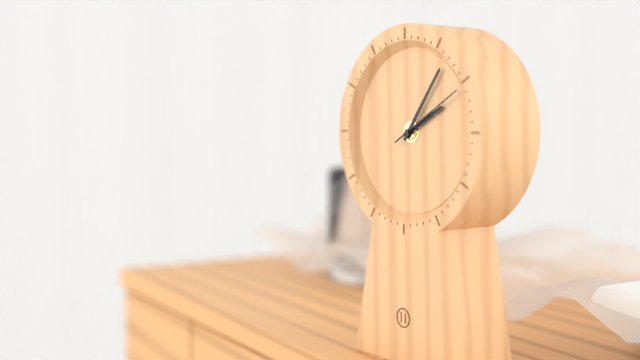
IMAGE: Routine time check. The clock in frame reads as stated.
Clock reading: 2:06:10
